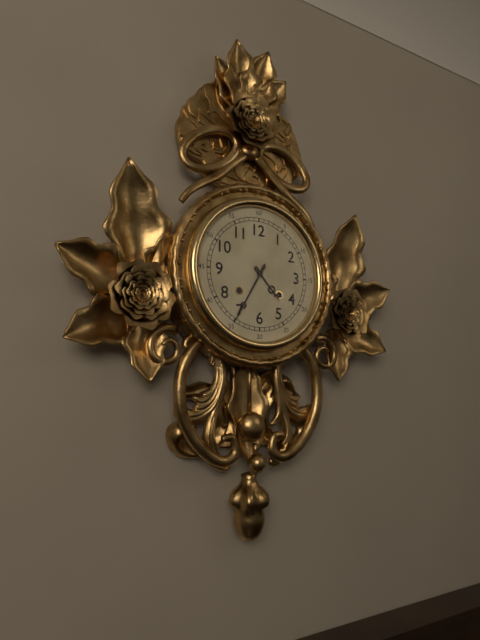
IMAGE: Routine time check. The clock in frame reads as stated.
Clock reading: 4:35
